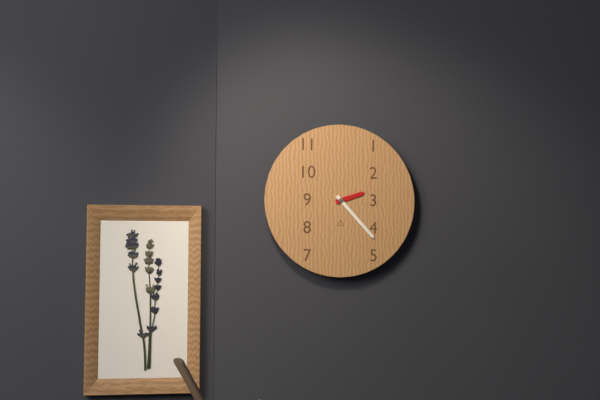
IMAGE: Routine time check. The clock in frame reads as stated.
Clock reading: 2:23
